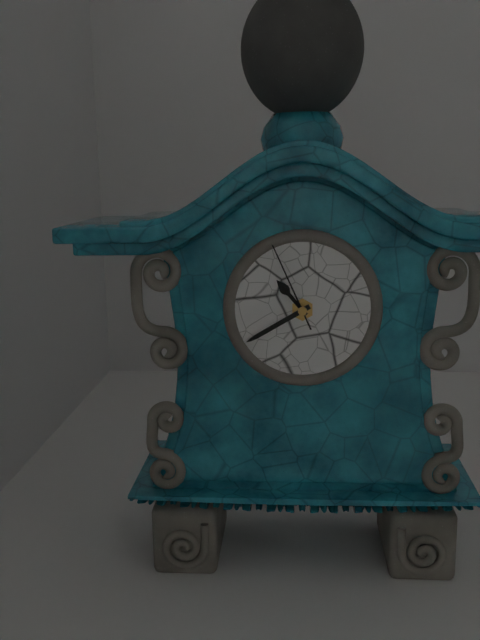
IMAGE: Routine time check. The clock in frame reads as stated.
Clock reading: 10:40:56
